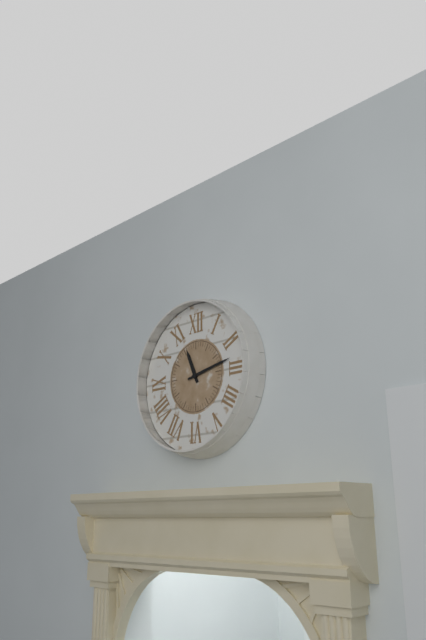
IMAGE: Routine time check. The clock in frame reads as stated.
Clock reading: 11:13
